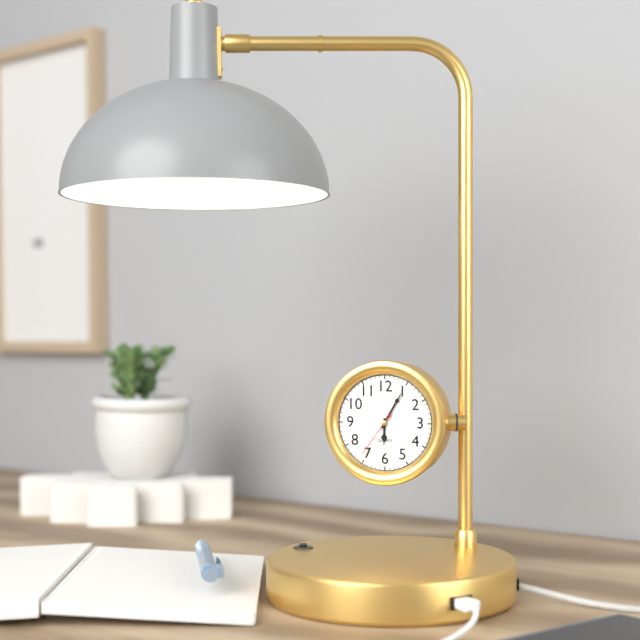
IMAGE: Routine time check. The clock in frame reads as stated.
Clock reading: 6:05
